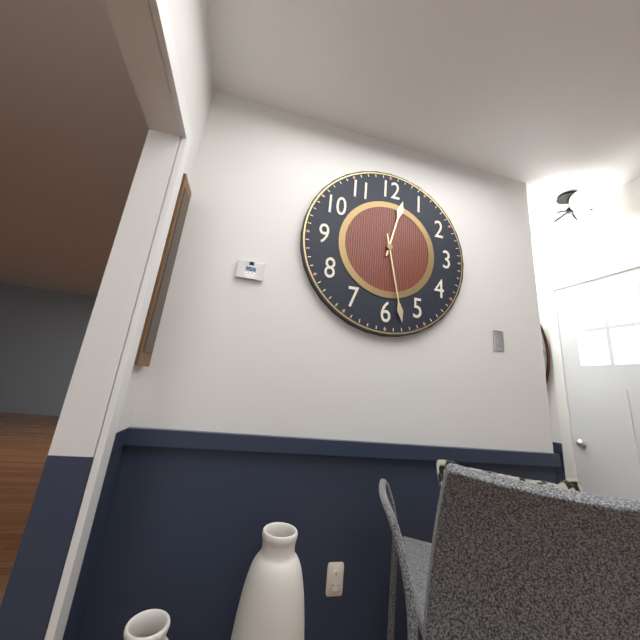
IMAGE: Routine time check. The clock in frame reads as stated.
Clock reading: 12:28
